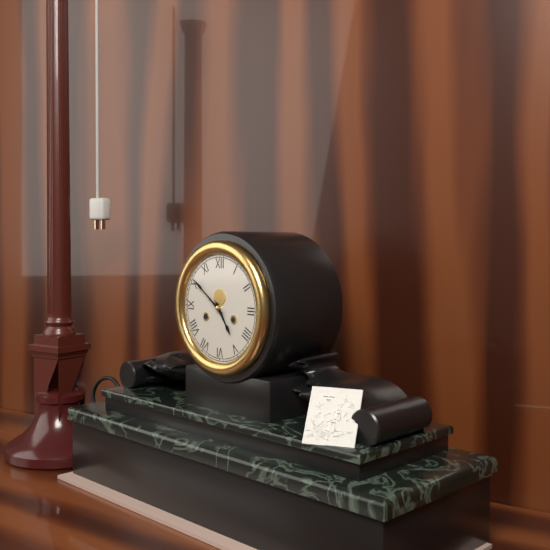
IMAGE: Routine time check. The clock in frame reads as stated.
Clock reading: 4:51
